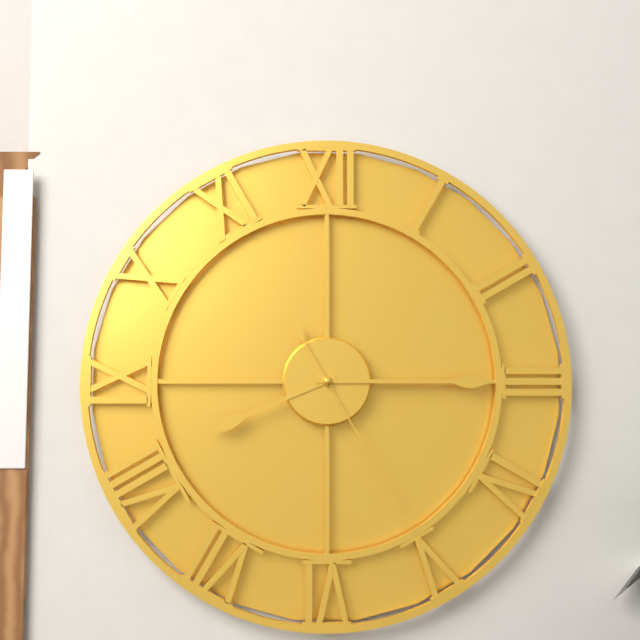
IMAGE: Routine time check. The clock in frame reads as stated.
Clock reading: 8:15:25
